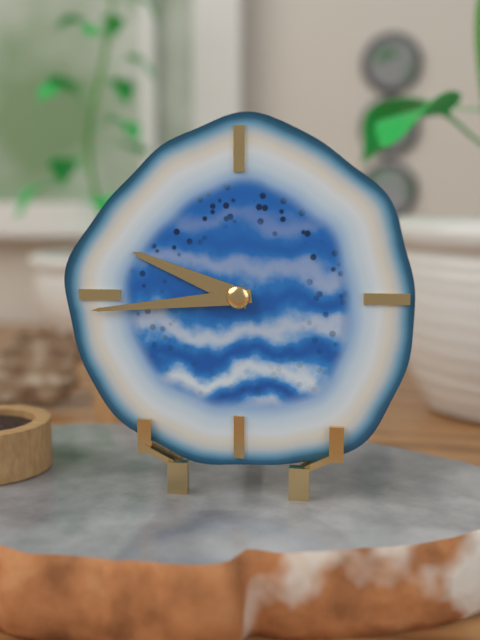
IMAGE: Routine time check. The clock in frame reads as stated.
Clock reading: 9:44
